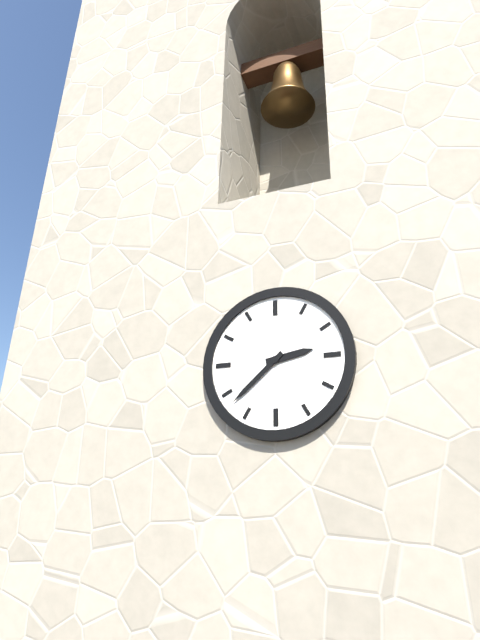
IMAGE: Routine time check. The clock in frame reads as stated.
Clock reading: 2:38
